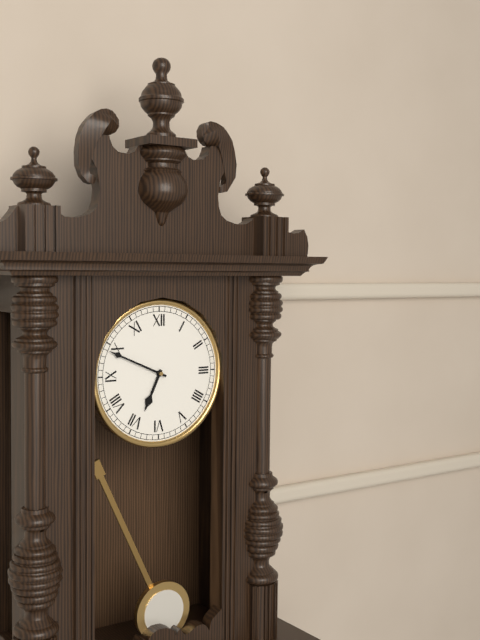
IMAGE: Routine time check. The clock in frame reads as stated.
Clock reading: 6:49
